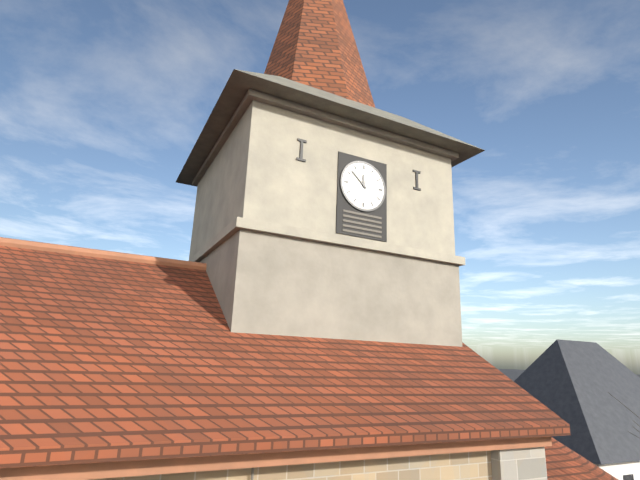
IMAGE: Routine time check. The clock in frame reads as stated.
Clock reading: 11:52
